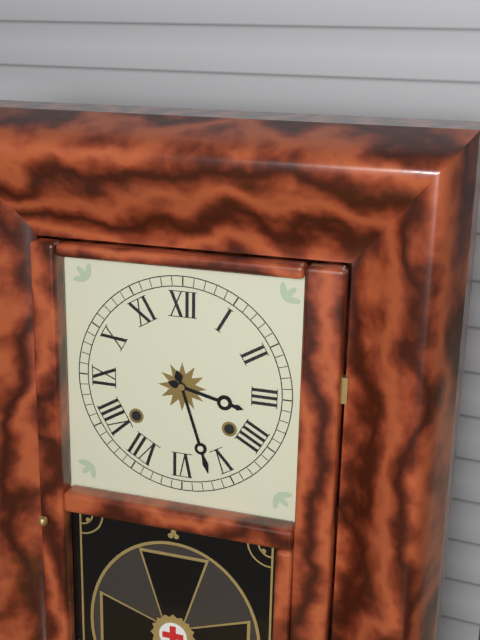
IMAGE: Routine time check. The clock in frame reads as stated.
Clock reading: 3:27
